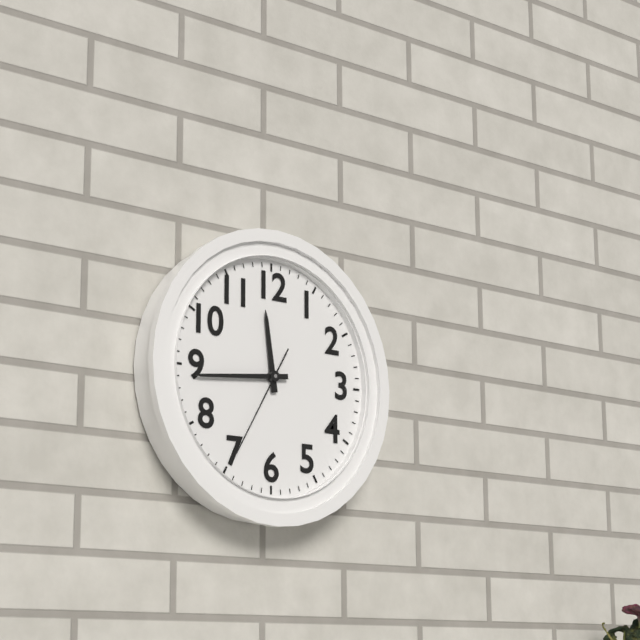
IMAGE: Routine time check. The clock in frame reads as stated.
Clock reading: 11:44:35
